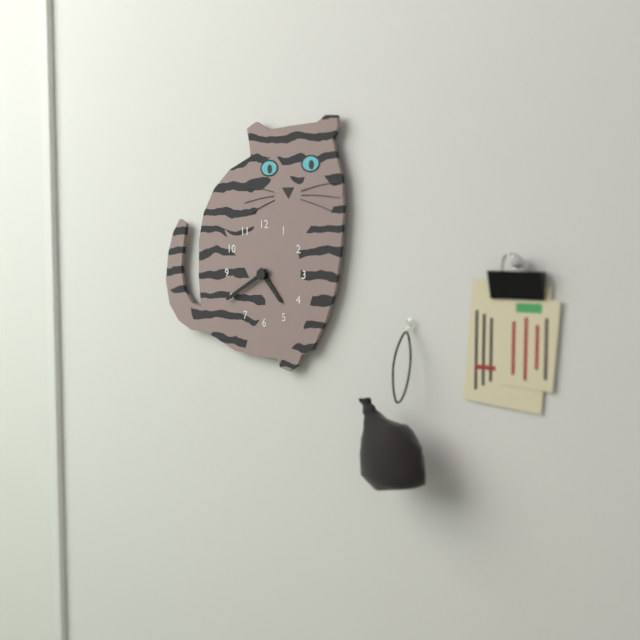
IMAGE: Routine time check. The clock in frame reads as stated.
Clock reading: 4:40
